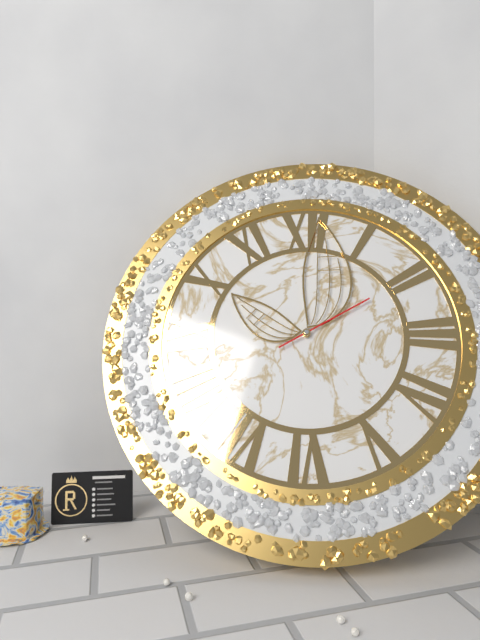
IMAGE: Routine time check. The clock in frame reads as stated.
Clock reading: 10:01:10
